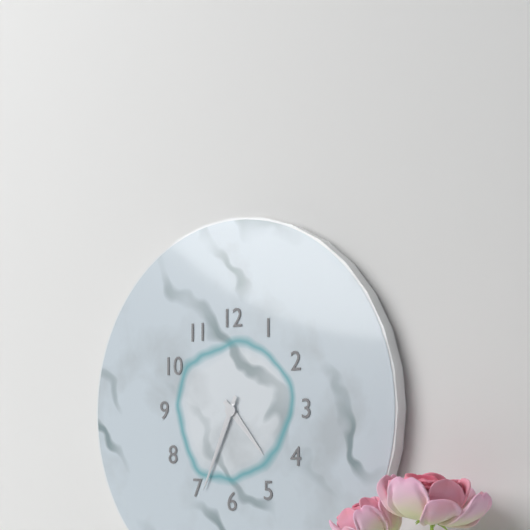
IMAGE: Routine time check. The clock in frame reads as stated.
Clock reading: 4:34
